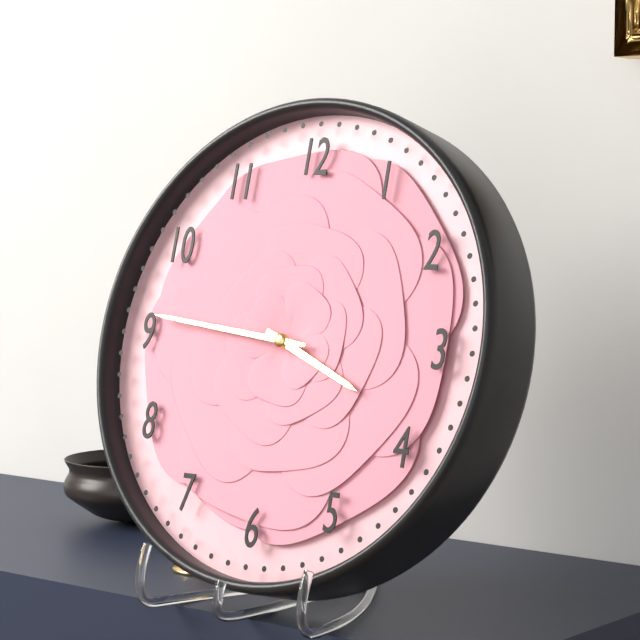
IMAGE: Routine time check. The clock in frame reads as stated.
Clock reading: 3:46
